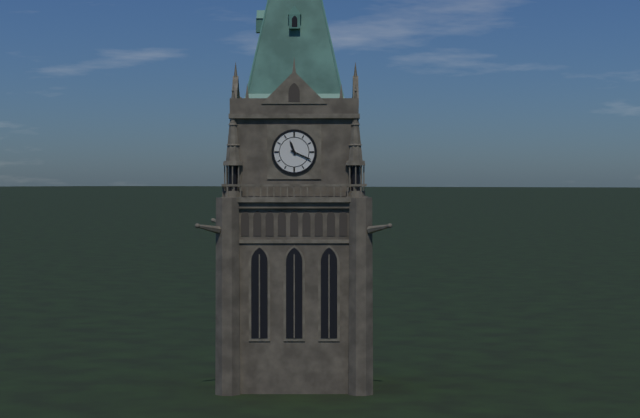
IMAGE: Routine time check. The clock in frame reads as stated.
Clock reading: 11:19
